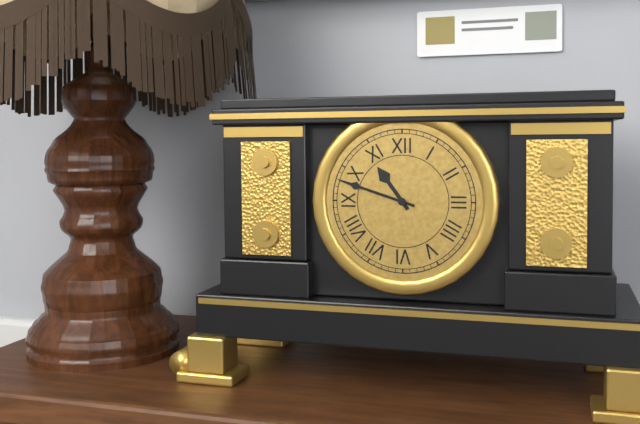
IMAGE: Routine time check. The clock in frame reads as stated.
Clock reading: 10:48
